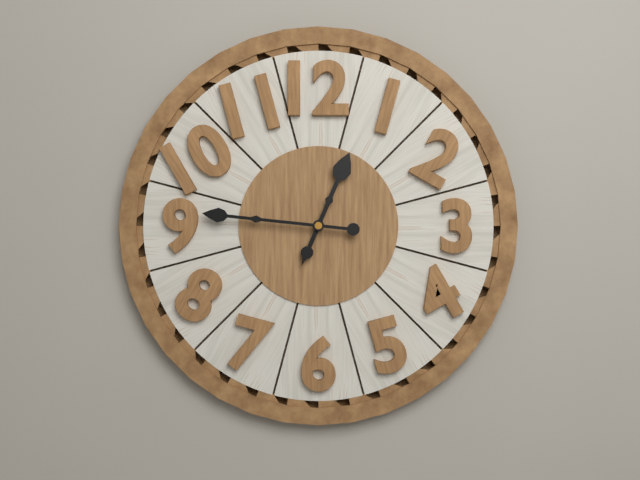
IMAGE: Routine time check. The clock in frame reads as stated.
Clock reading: 12:46
